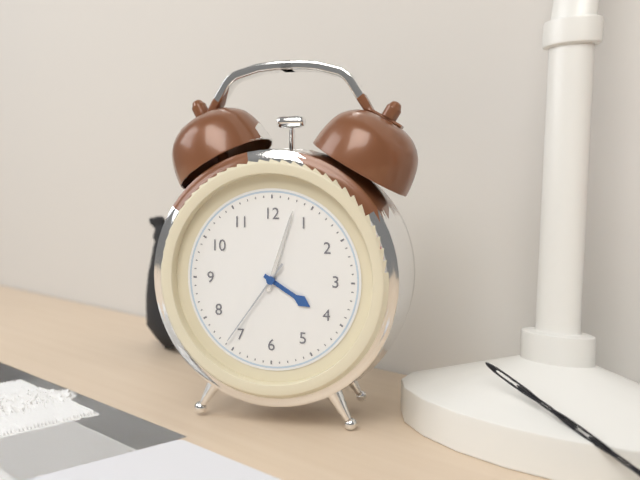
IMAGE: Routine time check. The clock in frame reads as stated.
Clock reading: 4:03:36
